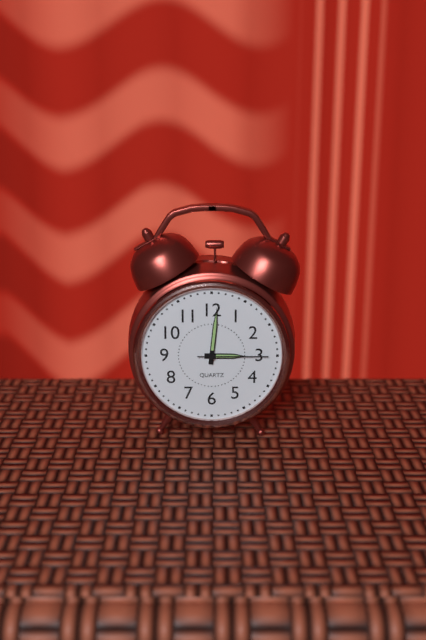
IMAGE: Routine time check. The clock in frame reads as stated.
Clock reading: 3:01:15
